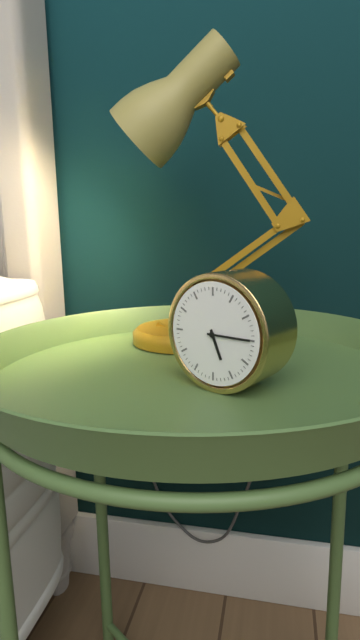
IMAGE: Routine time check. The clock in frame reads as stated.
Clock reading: 5:15
